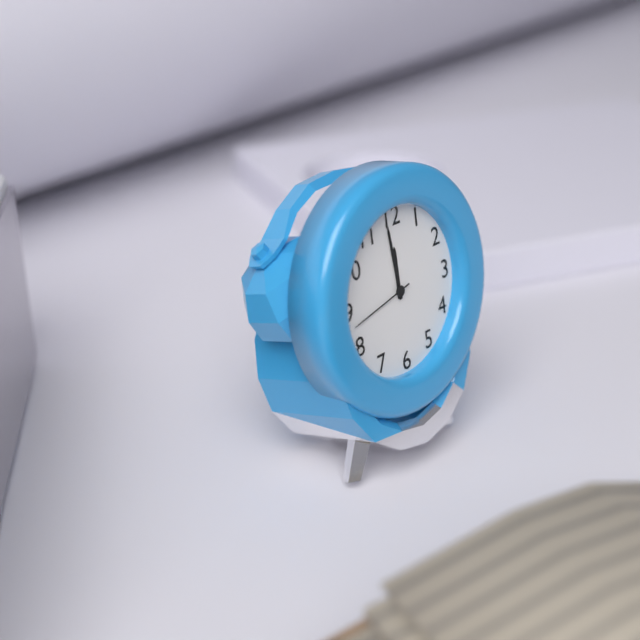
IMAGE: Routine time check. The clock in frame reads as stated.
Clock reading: 11:59:43
